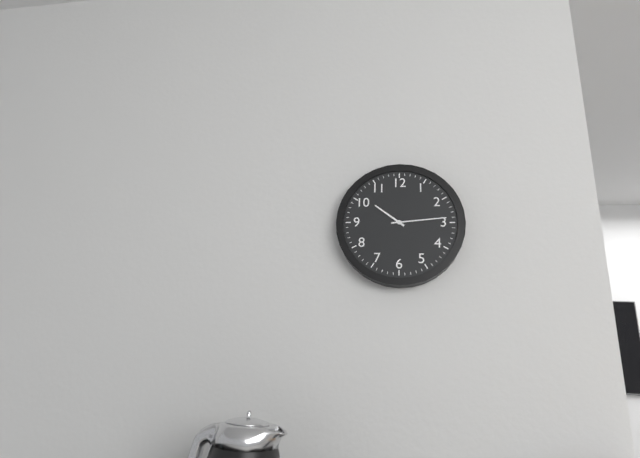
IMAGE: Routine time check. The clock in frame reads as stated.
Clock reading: 10:14
